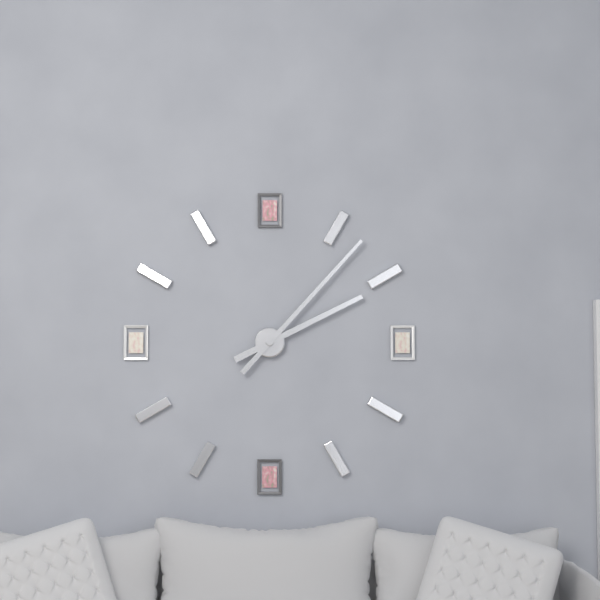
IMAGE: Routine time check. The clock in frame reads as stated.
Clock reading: 2:07
